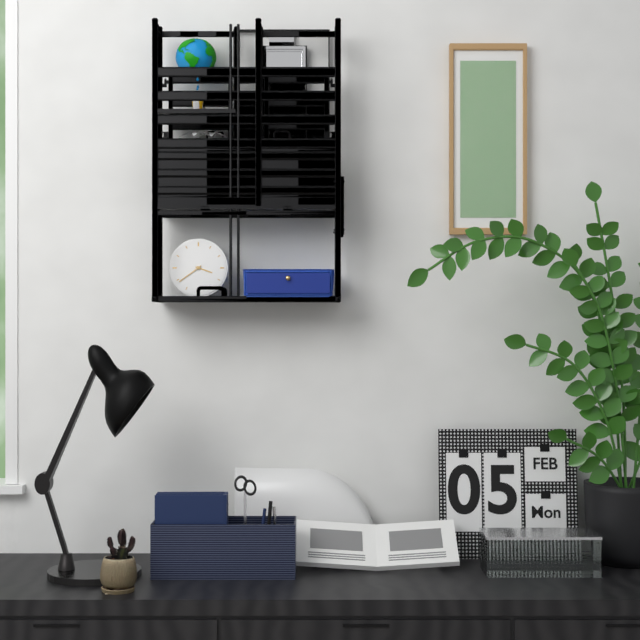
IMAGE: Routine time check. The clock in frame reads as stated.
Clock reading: 3:39
